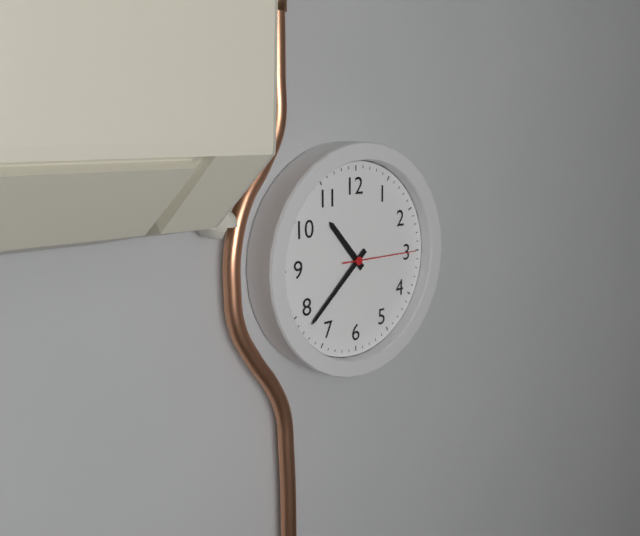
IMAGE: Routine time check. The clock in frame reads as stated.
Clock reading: 10:38:15
